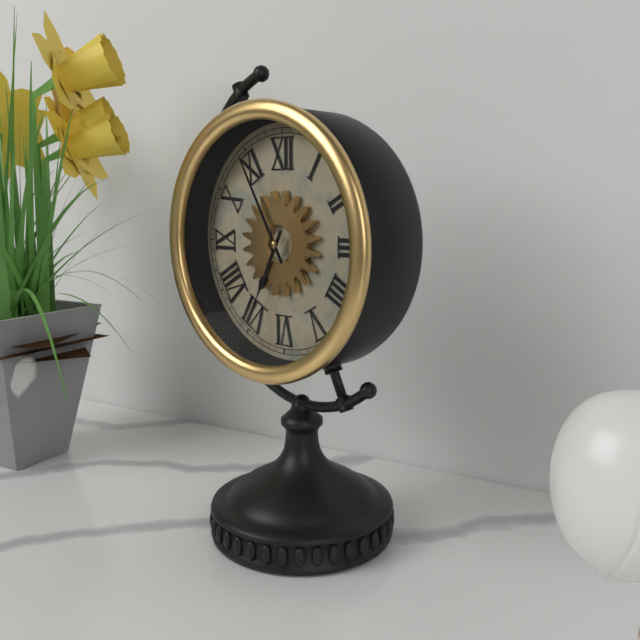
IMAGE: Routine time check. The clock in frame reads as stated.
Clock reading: 6:55
